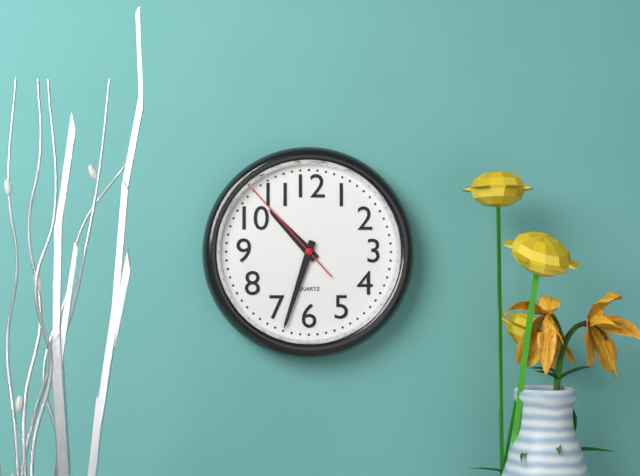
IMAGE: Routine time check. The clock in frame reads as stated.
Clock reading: 10:33:53
